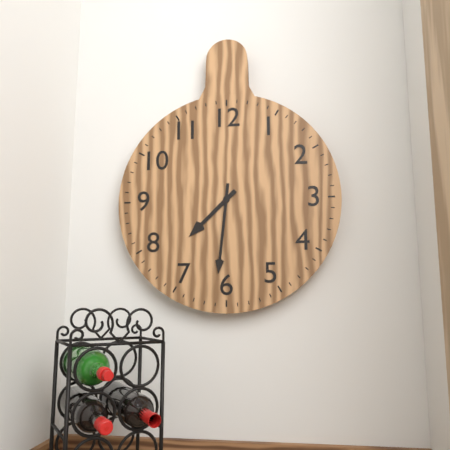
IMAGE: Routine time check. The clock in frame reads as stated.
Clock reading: 7:31
